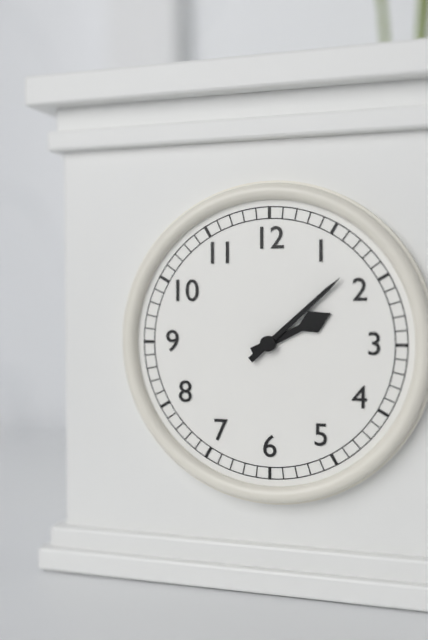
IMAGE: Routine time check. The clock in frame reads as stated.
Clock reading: 2:08
